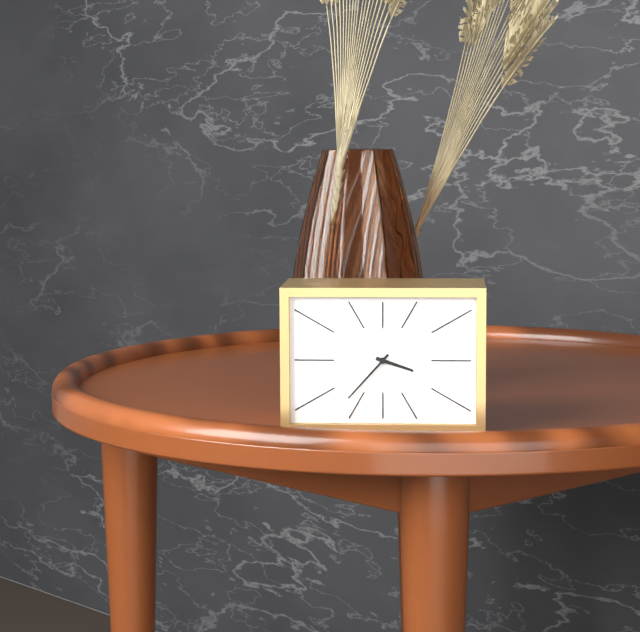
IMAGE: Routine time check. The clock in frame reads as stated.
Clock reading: 3:37
